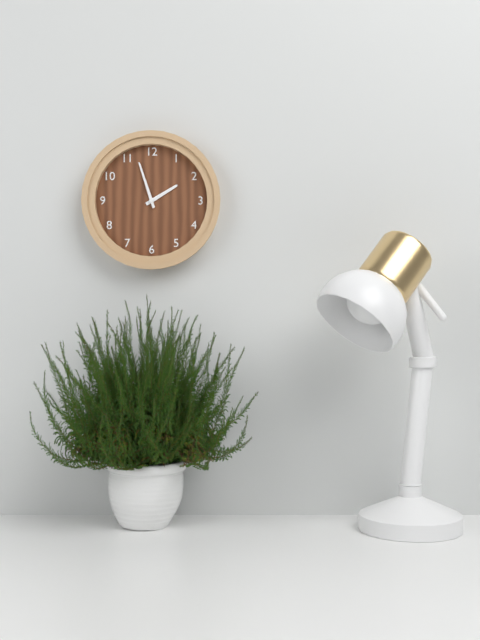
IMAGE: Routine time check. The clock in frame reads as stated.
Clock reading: 1:57
